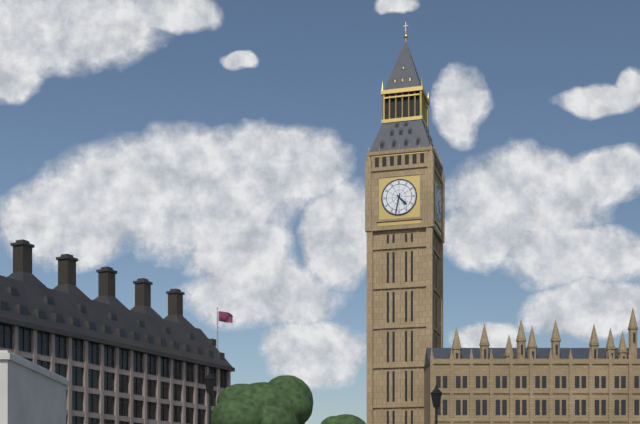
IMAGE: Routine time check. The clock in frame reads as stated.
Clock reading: 4:32
